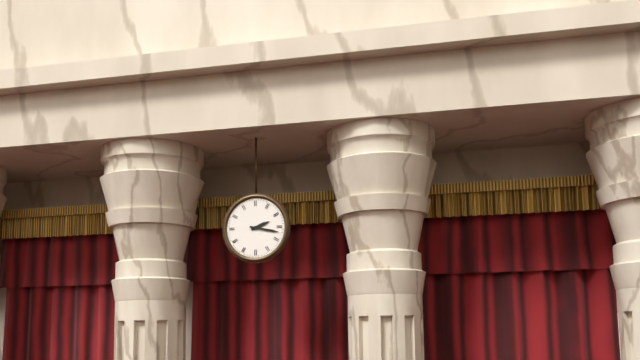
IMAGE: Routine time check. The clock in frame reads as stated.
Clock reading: 2:17
